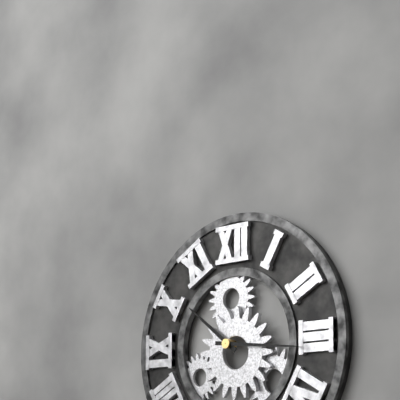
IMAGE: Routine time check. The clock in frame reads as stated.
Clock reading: 10:16
